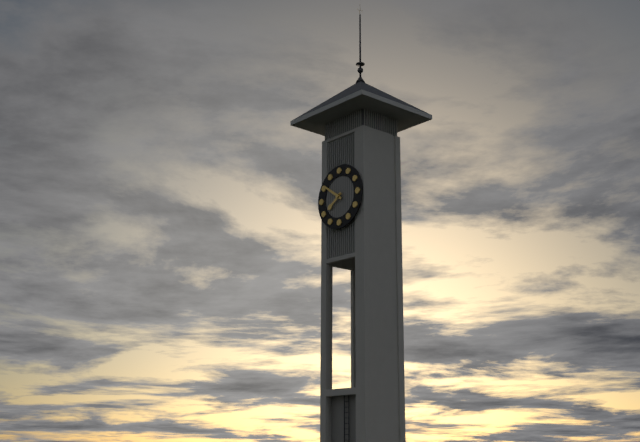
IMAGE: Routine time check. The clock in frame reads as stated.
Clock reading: 7:51
